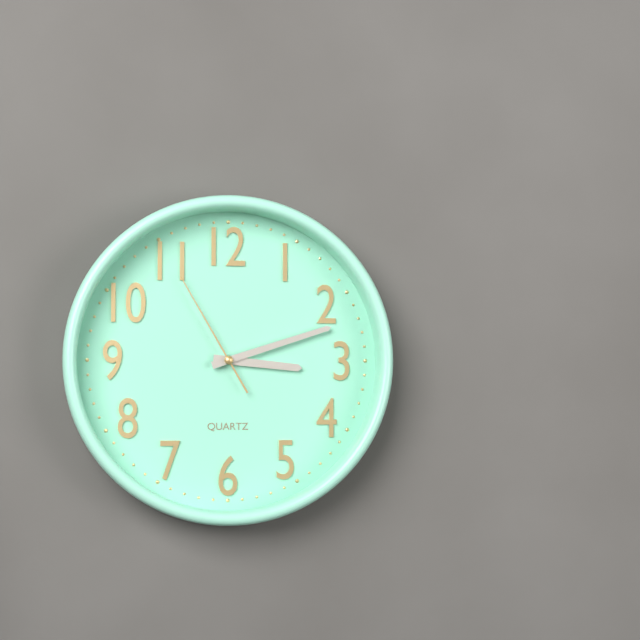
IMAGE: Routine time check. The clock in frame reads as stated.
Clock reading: 3:12:55
